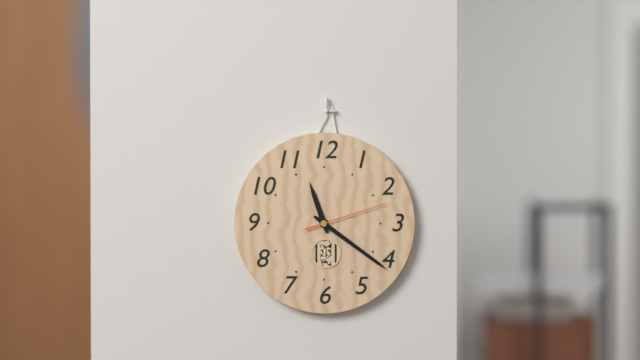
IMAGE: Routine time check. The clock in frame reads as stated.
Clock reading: 11:21:12
